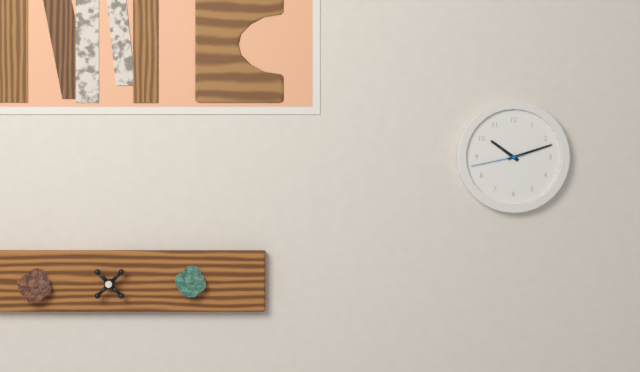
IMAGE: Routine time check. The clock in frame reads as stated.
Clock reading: 10:12:43
